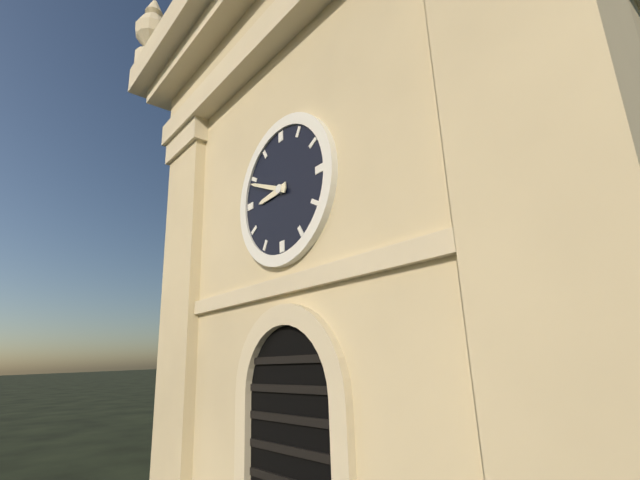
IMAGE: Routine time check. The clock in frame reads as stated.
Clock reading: 8:49
